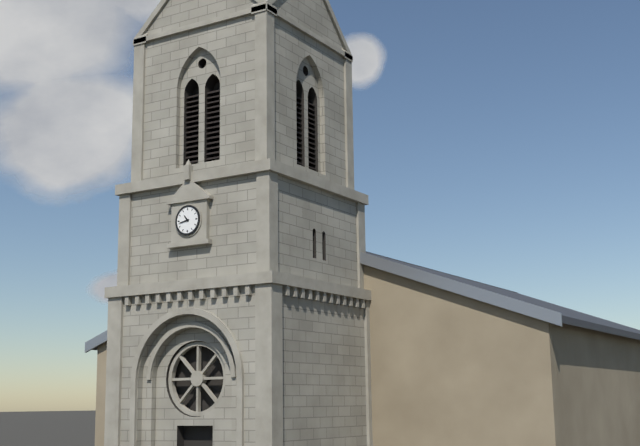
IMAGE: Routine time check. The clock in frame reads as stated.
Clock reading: 10:43
